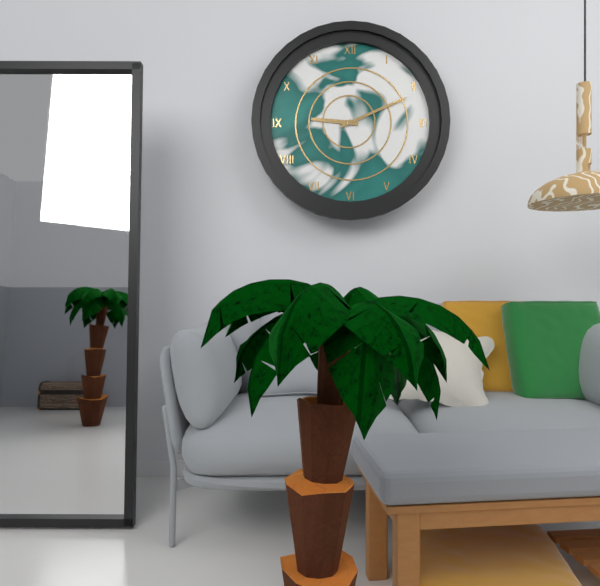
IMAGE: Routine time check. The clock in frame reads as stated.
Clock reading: 9:11
